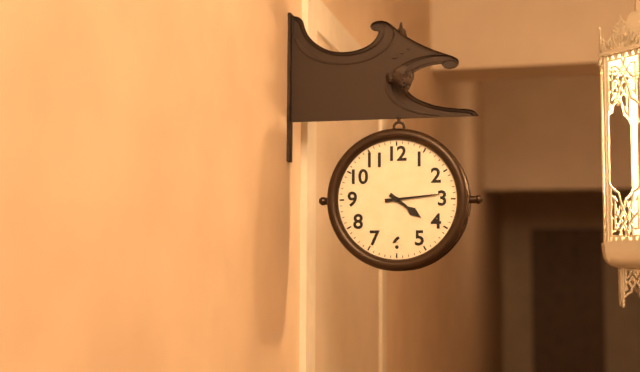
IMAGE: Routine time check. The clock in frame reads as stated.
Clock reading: 4:14
